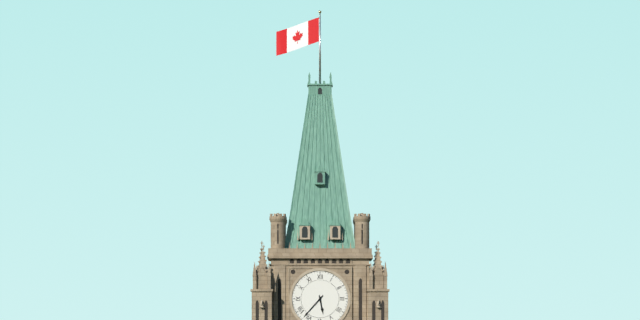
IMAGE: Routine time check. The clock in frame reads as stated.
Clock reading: 5:37
